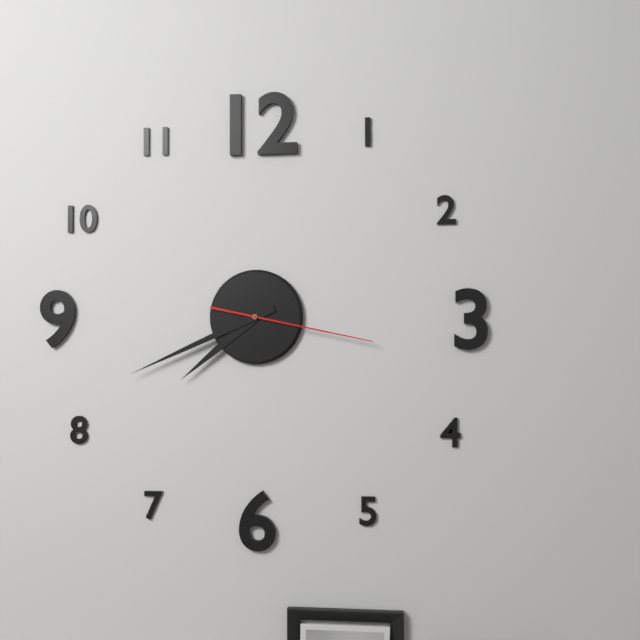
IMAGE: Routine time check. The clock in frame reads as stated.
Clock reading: 7:41:17
